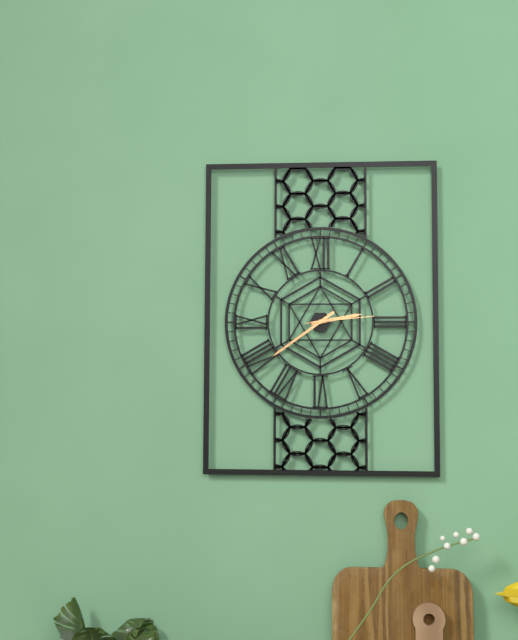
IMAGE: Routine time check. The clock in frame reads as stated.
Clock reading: 2:39:14
